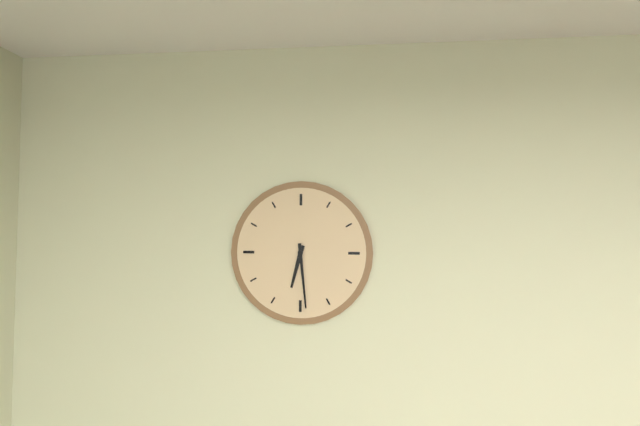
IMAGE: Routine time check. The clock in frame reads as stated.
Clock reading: 6:29
